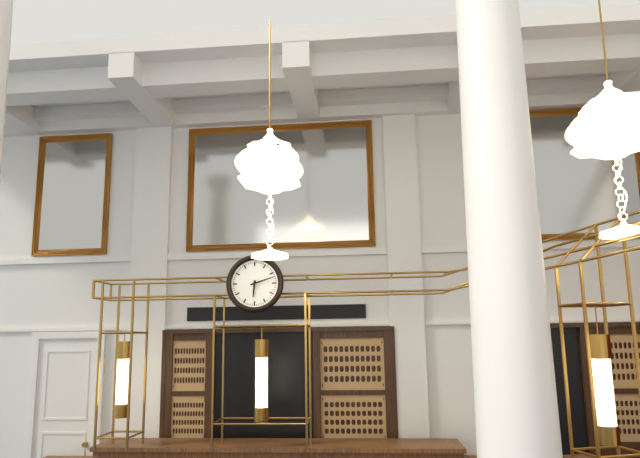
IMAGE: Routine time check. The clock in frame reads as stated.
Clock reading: 6:12
